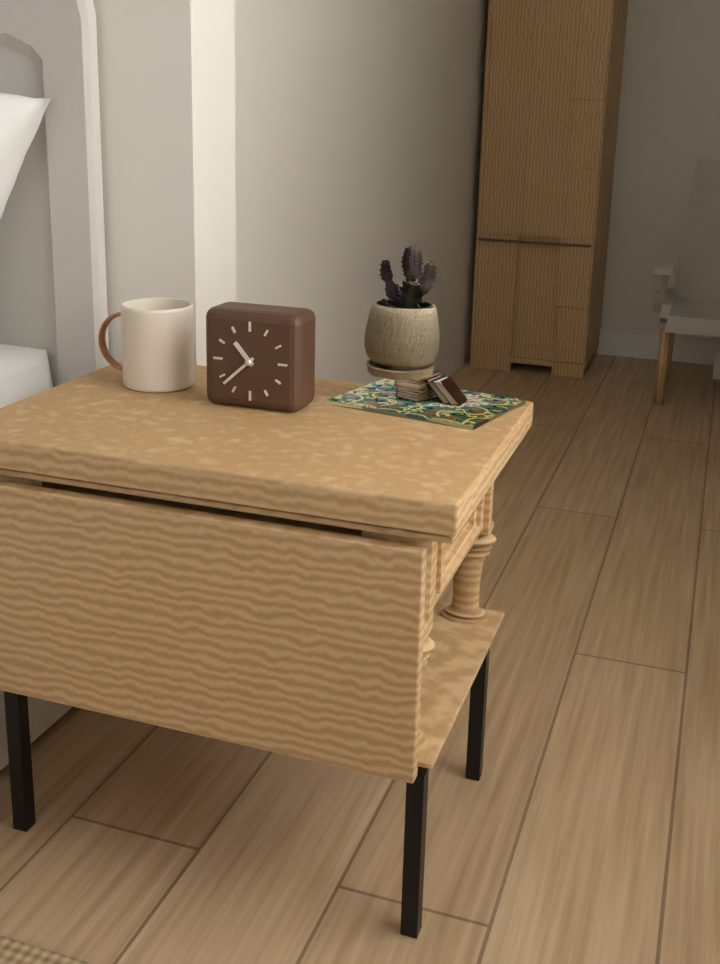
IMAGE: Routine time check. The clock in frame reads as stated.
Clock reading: 10:38
